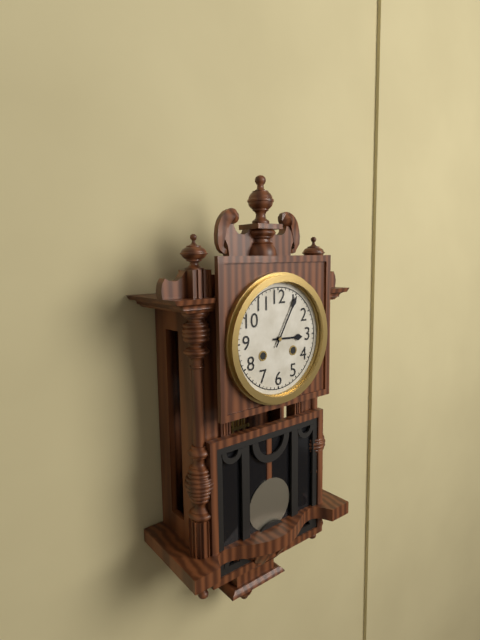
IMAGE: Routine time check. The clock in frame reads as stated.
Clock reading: 3:05
